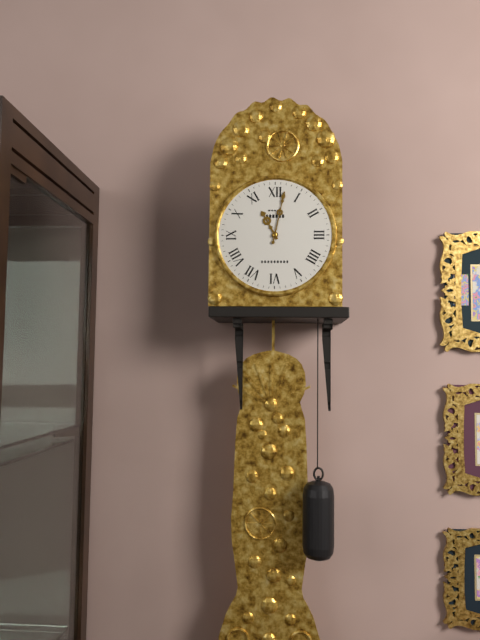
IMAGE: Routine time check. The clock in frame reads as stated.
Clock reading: 11:02
